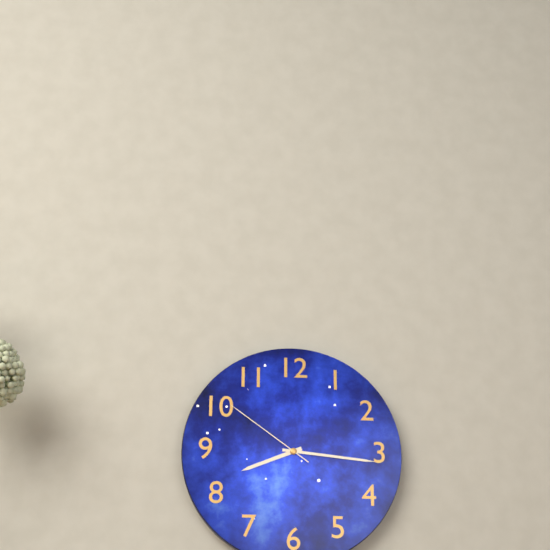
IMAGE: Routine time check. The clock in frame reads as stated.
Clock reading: 8:16:51
